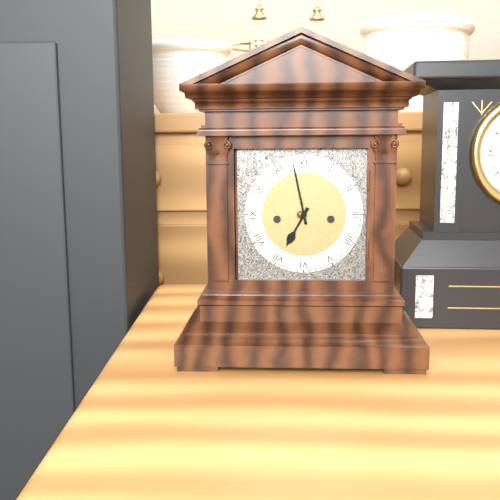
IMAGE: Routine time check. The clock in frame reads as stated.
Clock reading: 6:58
